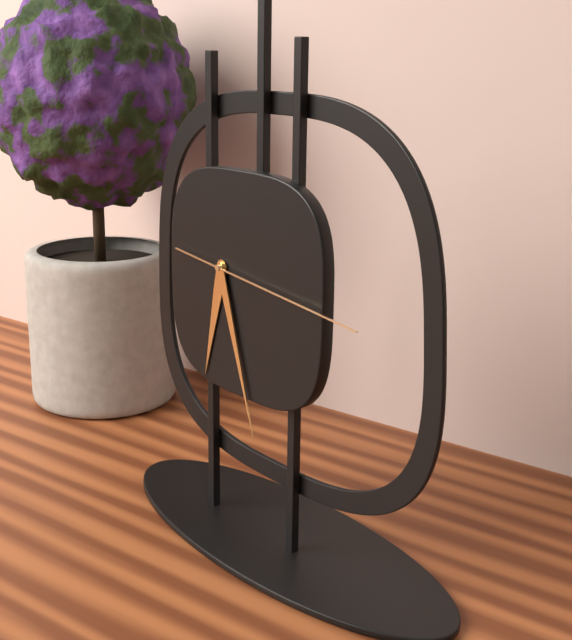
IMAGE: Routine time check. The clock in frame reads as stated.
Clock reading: 6:27:16
